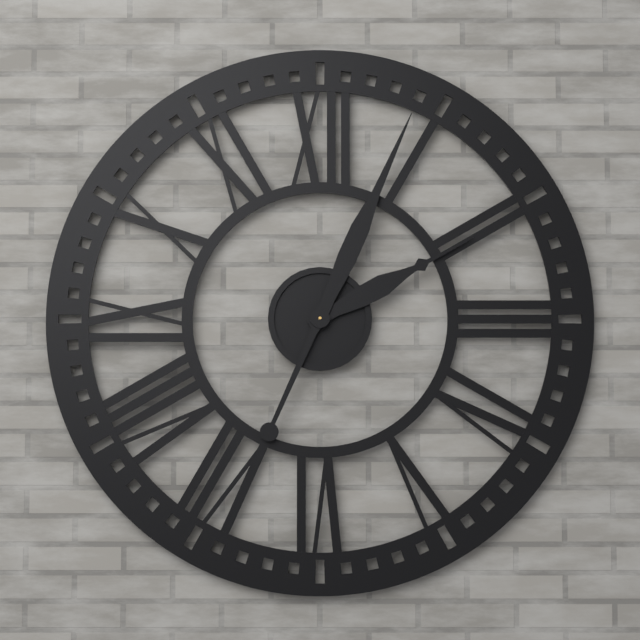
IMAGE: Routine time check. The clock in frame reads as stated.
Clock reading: 2:04
